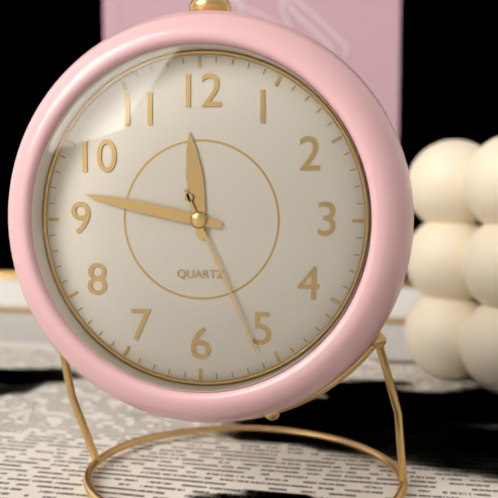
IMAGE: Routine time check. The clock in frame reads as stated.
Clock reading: 11:47:26
